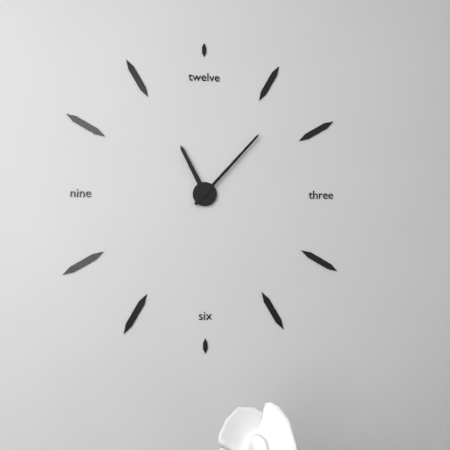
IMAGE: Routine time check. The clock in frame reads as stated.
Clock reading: 11:07
